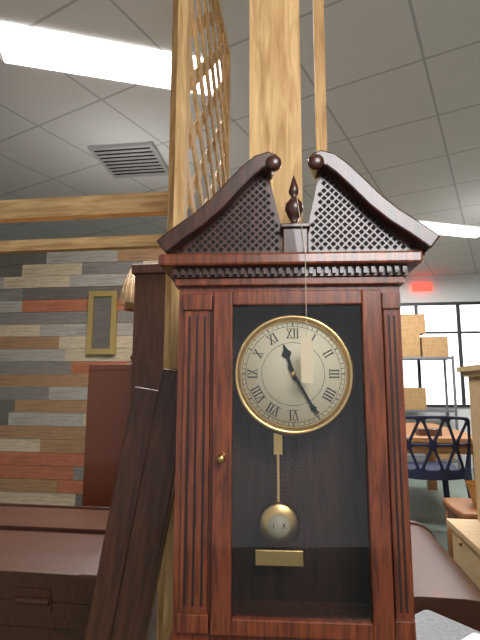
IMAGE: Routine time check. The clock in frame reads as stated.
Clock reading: 11:25
